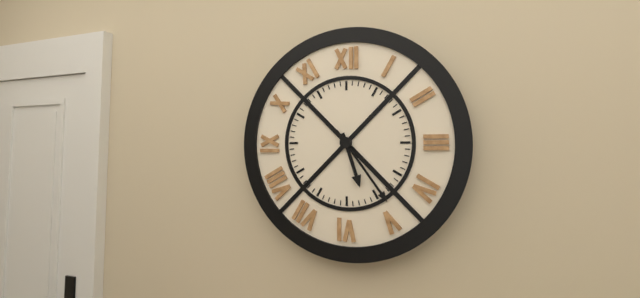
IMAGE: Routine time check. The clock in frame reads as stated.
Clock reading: 5:24
